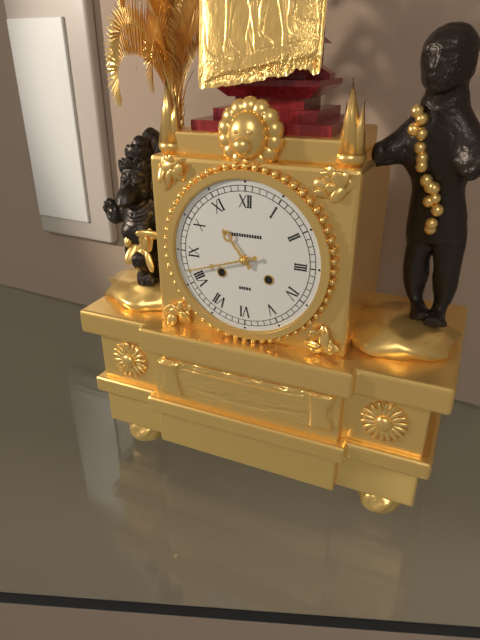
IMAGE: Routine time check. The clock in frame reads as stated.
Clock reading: 10:42
